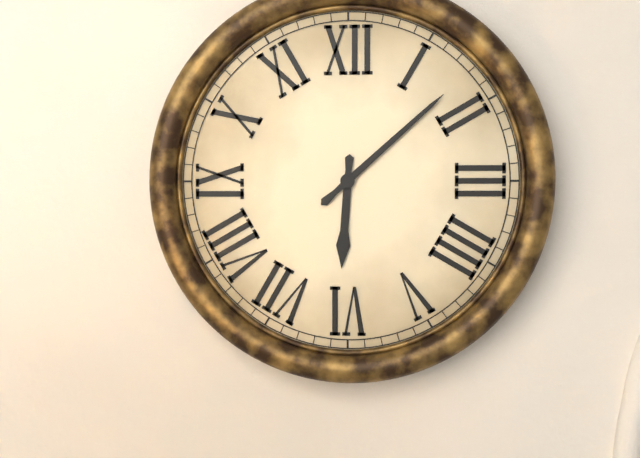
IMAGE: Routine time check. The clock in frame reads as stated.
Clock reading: 6:08
